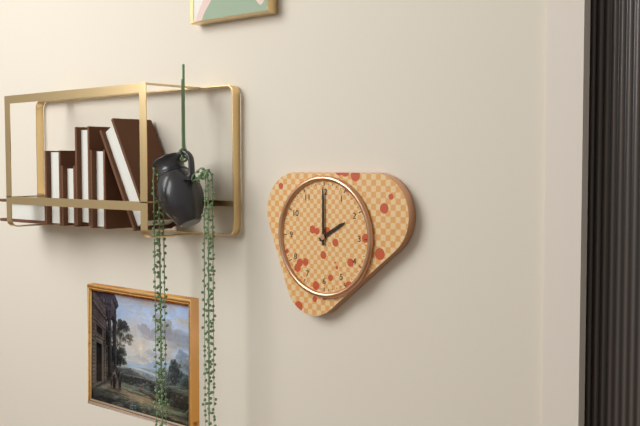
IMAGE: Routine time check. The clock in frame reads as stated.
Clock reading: 2:00
